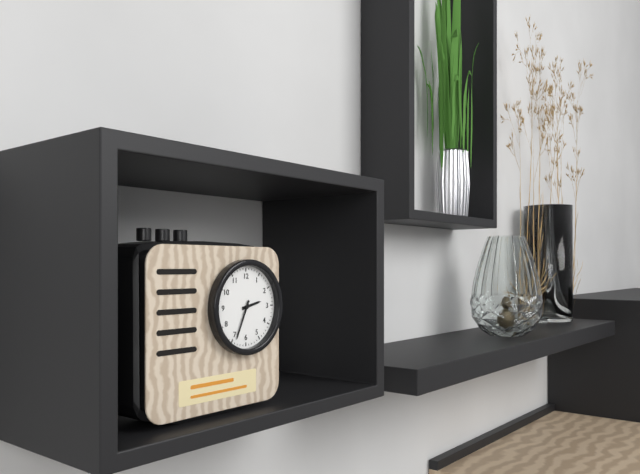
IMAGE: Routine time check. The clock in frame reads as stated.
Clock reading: 2:34
